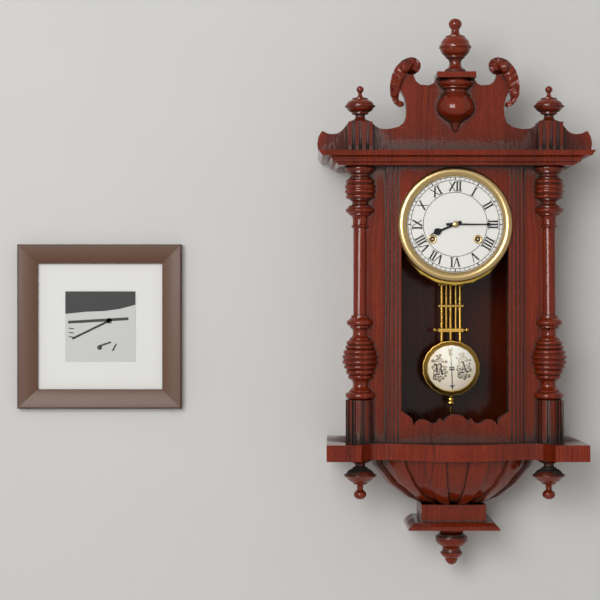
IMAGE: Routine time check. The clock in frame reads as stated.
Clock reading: 8:15
